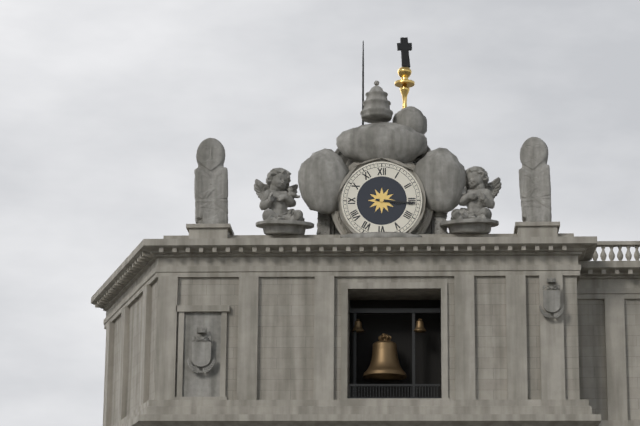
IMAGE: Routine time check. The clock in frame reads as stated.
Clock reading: 3:16
